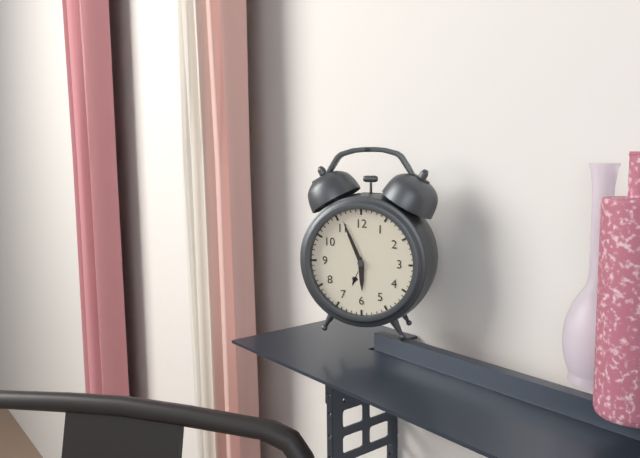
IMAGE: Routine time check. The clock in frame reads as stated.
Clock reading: 5:56
